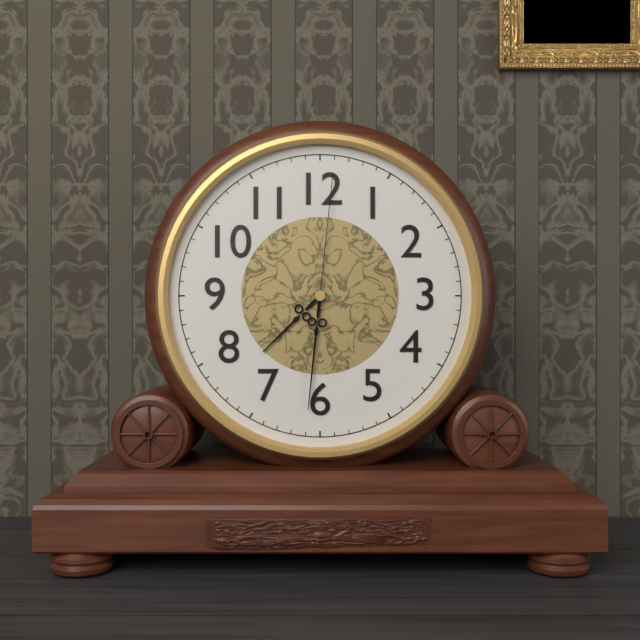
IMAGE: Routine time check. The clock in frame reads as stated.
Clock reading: 7:31:01
